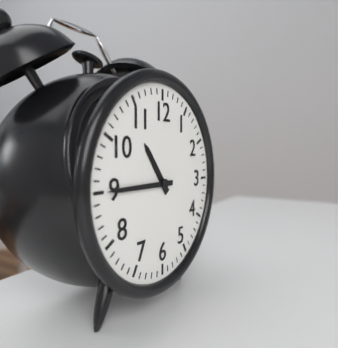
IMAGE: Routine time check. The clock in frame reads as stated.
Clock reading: 10:45
